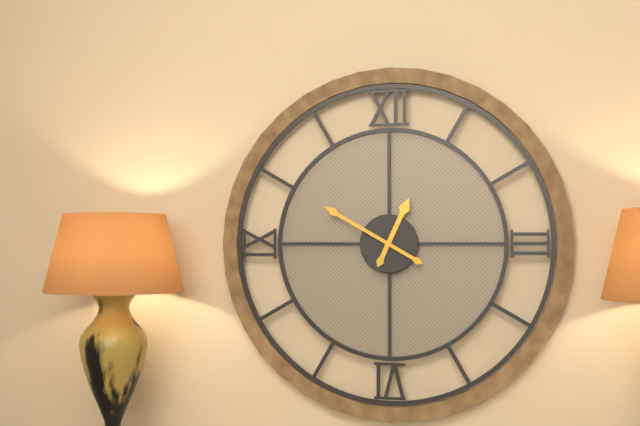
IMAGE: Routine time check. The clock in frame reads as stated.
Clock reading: 12:50
